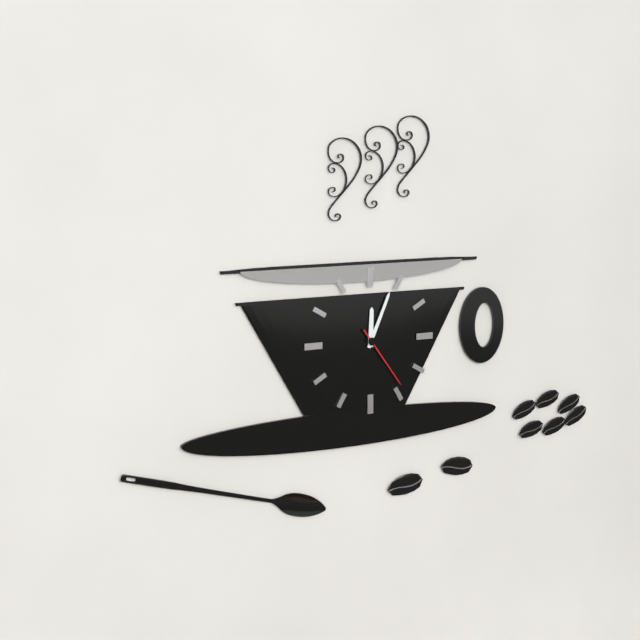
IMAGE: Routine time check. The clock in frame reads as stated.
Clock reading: 12:04:24
